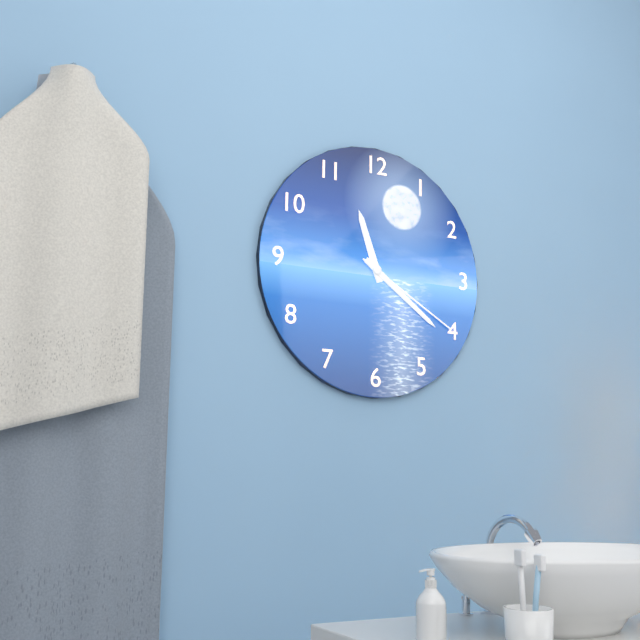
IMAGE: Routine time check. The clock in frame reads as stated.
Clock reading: 11:21:20
